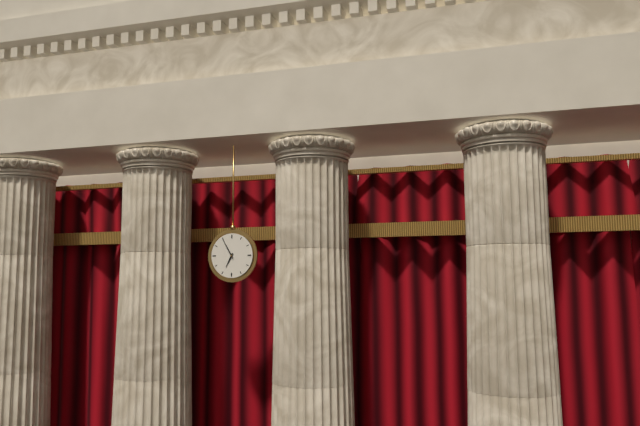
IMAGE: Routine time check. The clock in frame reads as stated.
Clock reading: 6:55
